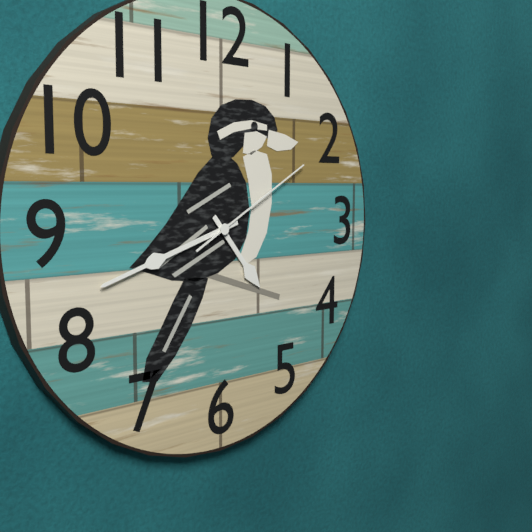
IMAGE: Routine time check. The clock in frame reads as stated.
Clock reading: 4:42:10
